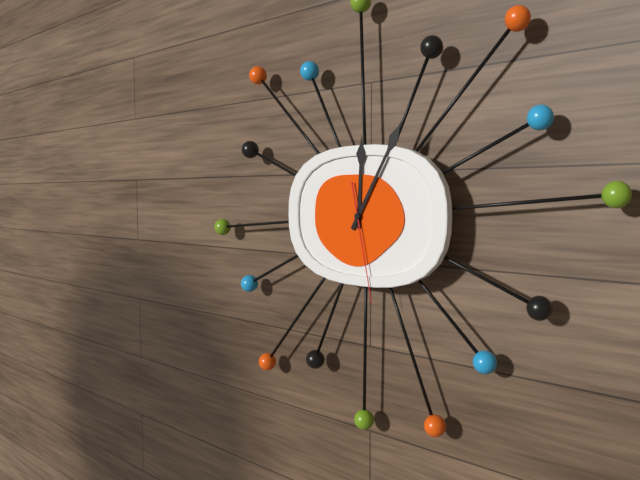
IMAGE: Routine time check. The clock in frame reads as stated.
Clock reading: 12:05:28
